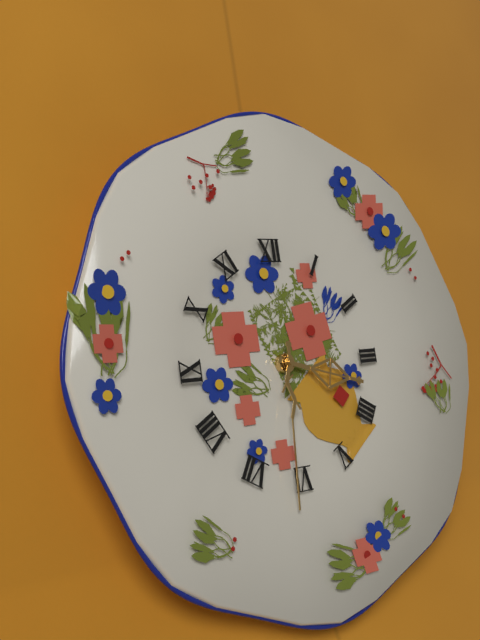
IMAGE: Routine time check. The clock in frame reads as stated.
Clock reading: 3:31
